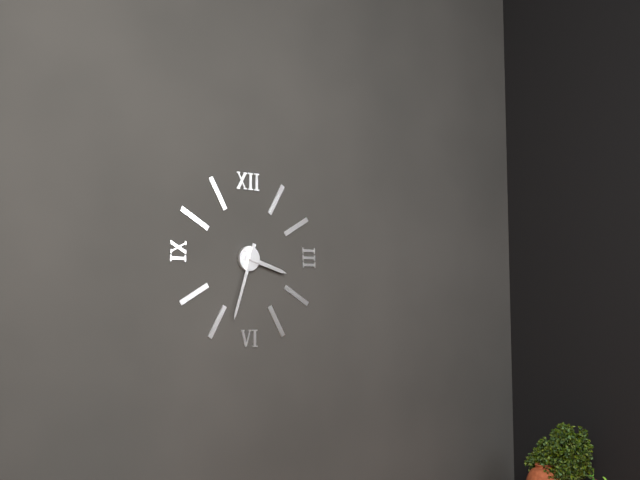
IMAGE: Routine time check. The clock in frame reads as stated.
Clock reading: 3:33
